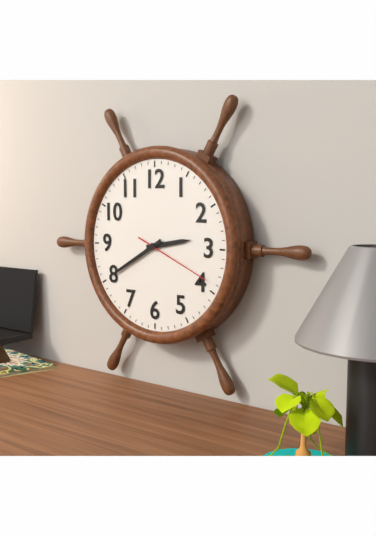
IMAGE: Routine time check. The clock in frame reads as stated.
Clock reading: 2:40:19
